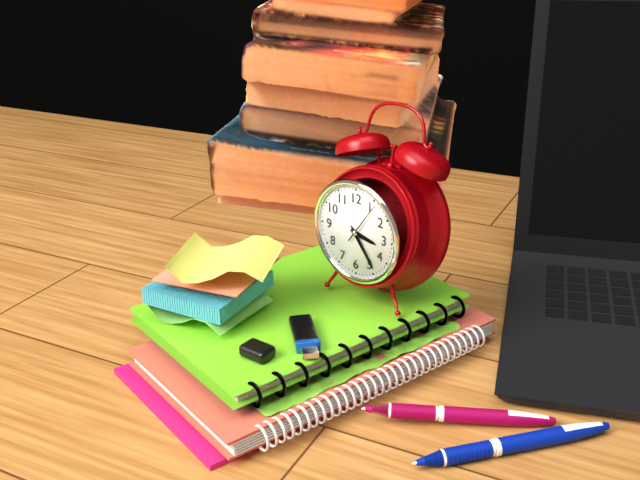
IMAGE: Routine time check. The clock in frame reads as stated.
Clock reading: 3:24
